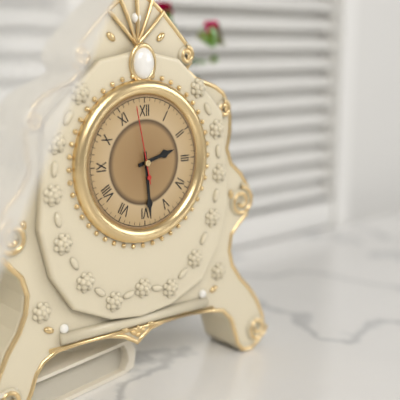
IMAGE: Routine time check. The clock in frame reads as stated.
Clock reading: 2:29:58
